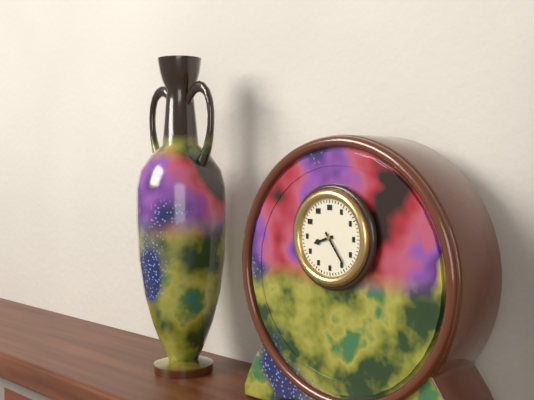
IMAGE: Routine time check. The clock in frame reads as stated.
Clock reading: 8:24
